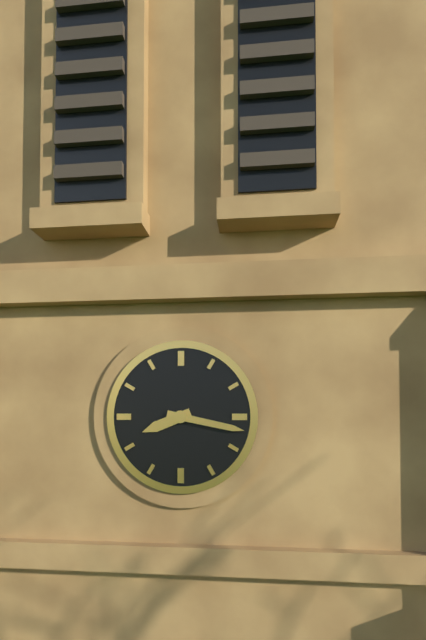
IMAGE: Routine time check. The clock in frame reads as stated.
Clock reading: 8:17
